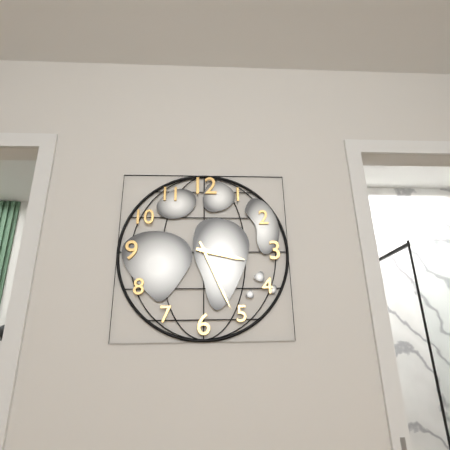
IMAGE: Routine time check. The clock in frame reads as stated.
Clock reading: 3:26
